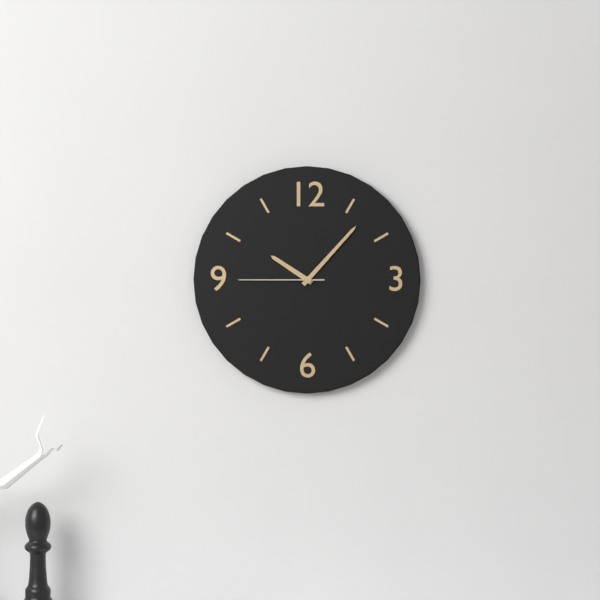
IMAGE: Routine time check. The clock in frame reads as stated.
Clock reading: 10:07:45
